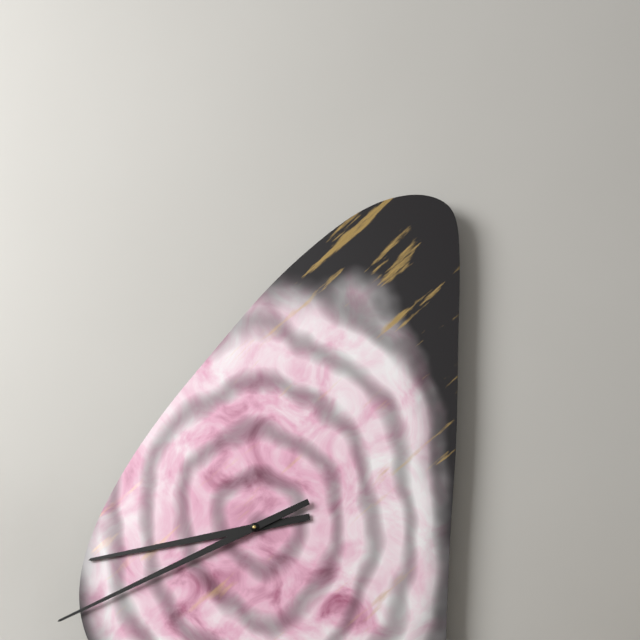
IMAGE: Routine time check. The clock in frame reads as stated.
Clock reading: 8:41
